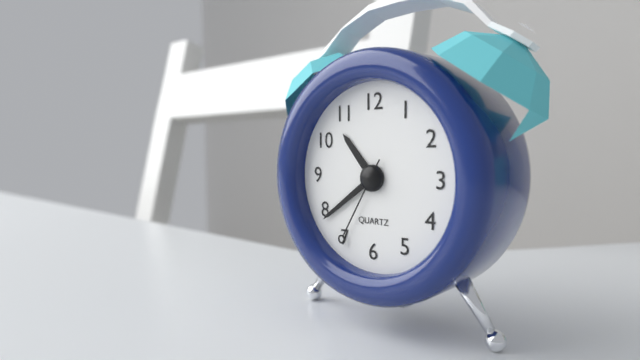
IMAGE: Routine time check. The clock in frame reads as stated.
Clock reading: 10:39:35
